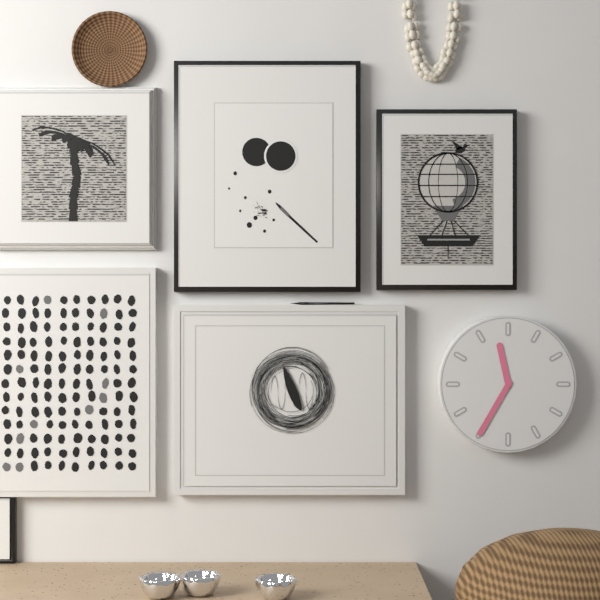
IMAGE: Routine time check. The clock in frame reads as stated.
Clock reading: 11:35
